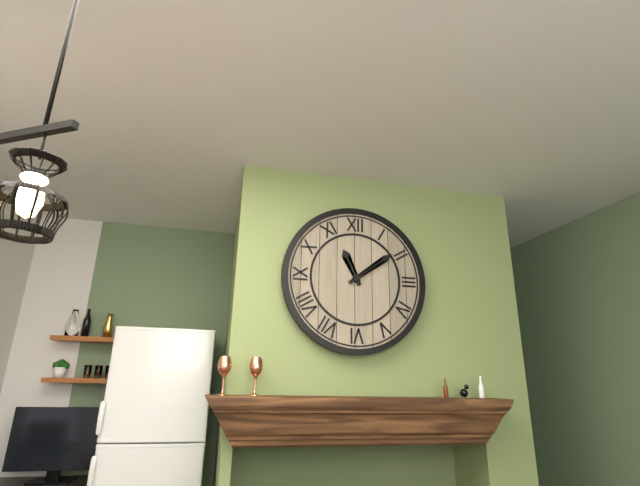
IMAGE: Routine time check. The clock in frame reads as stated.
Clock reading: 11:09
